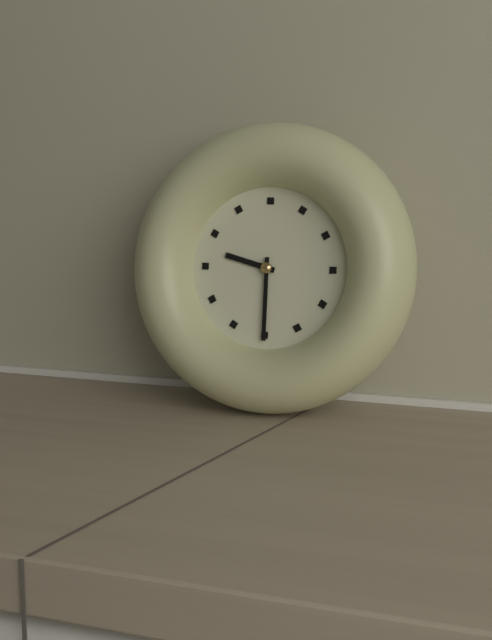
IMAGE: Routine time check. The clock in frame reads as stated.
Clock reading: 9:30
